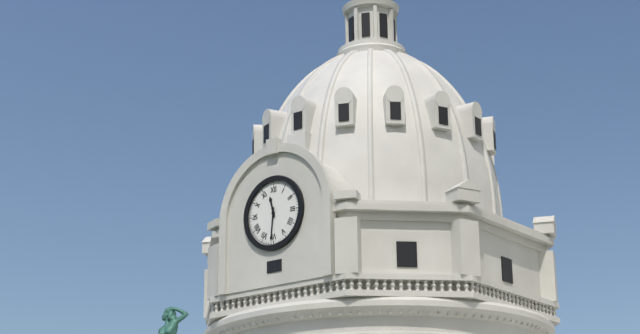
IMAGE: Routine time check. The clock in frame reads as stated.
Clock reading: 11:31
